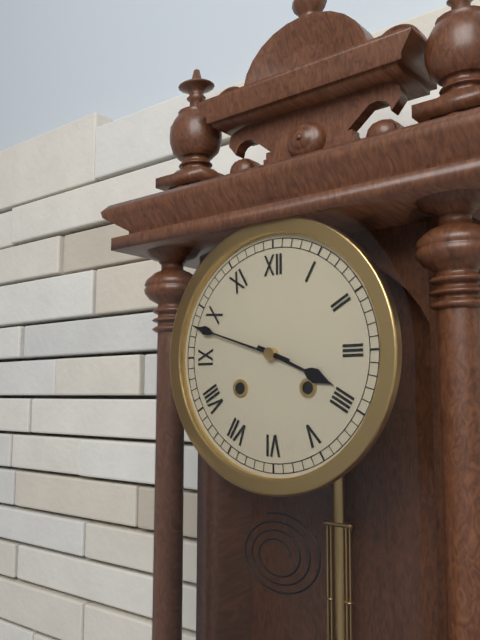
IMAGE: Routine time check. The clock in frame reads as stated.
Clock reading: 3:48
